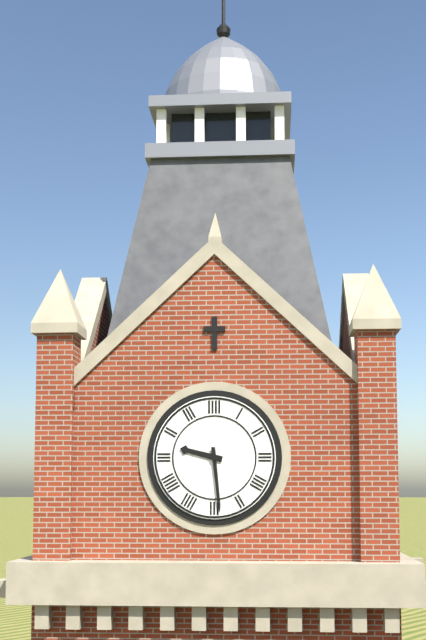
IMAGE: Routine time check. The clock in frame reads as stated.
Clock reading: 9:29
